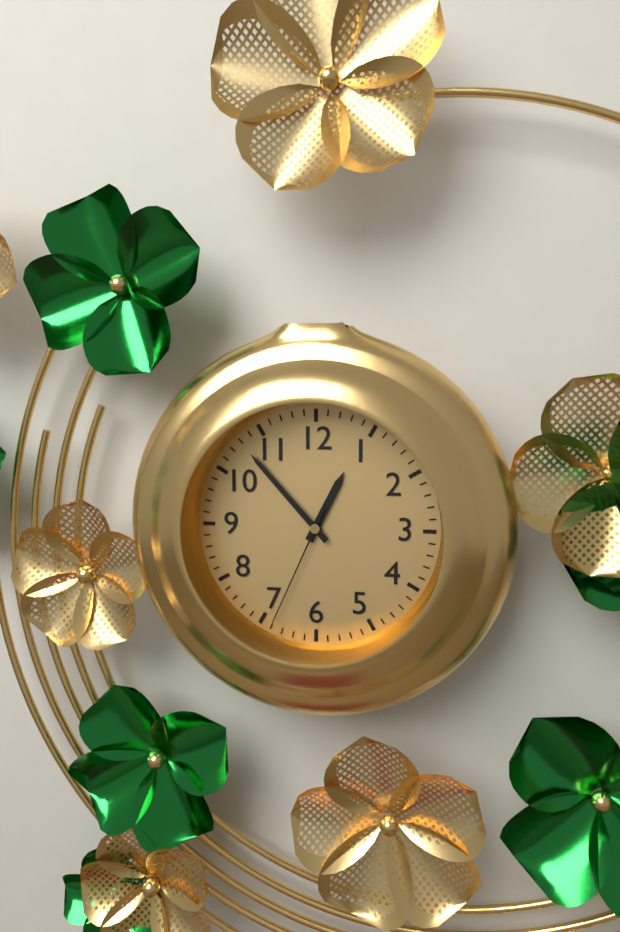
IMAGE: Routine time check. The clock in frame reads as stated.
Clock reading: 12:53:34
